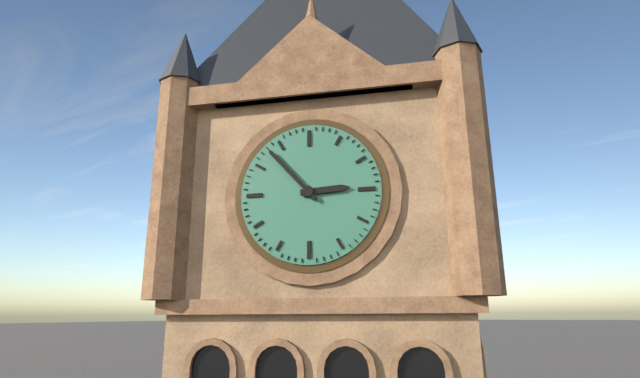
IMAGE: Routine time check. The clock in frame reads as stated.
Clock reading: 2:53
